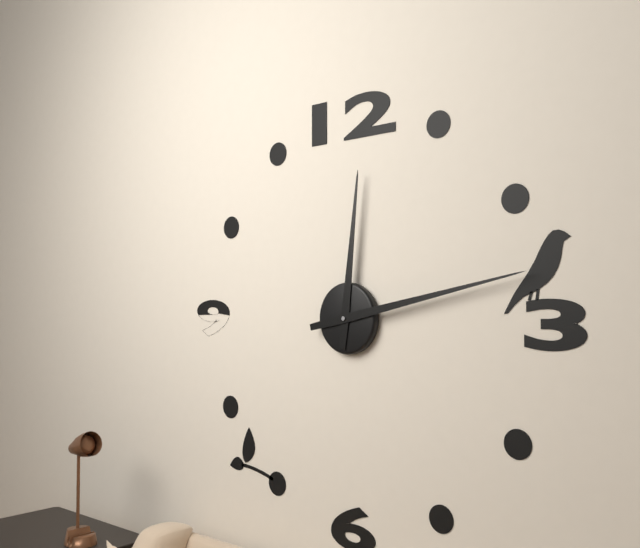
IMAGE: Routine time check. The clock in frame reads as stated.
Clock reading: 12:13
